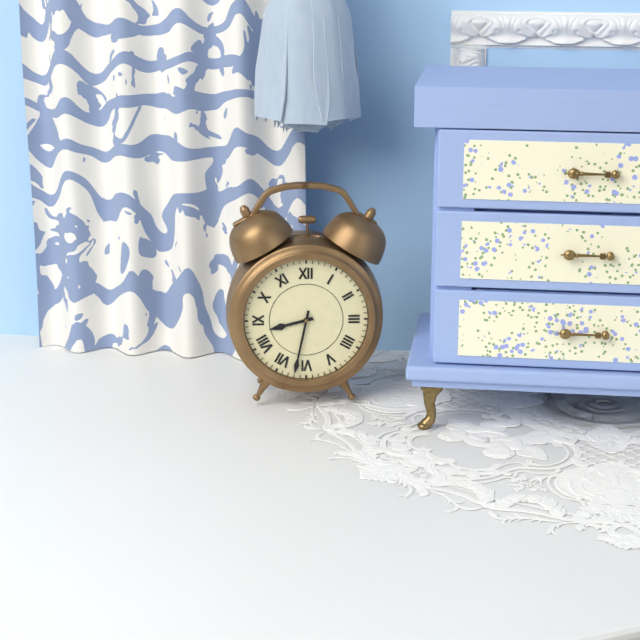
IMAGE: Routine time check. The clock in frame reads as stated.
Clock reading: 8:32
